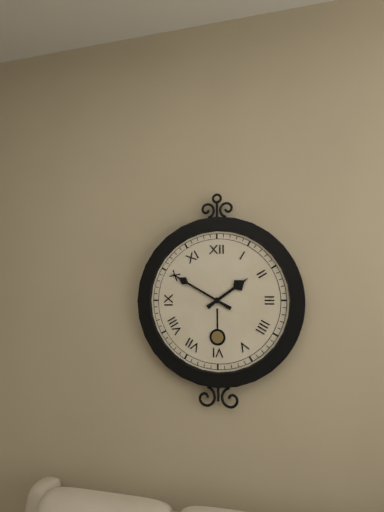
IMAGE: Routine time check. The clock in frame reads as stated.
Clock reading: 1:50
